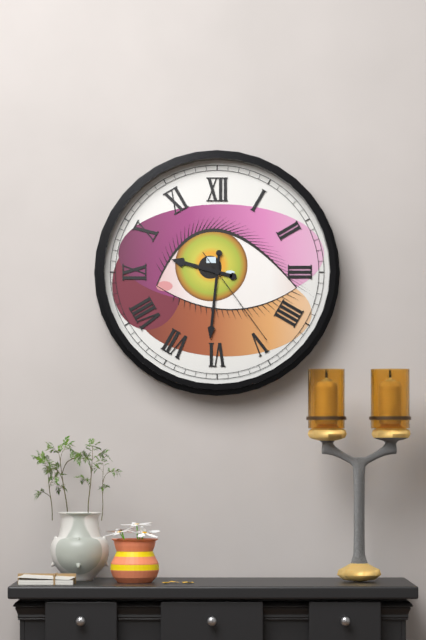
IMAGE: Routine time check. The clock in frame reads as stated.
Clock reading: 9:31:24
